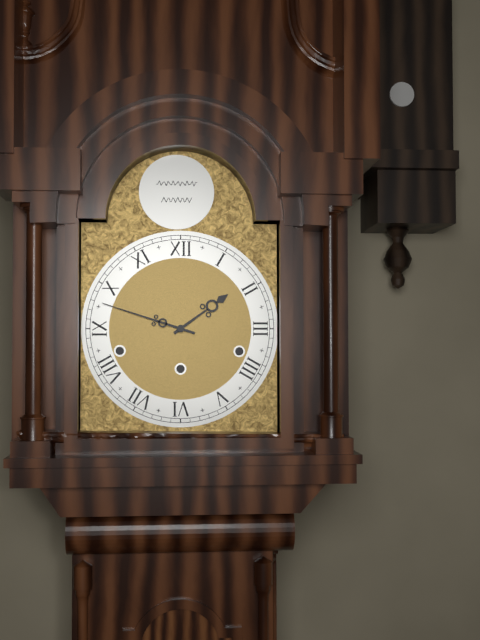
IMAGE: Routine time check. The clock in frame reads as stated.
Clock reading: 1:48
